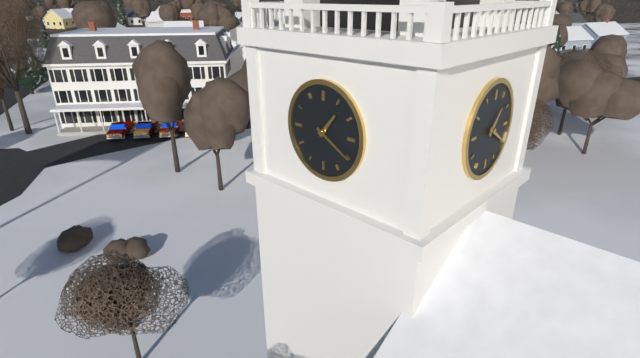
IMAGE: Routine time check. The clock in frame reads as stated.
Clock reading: 1:20
